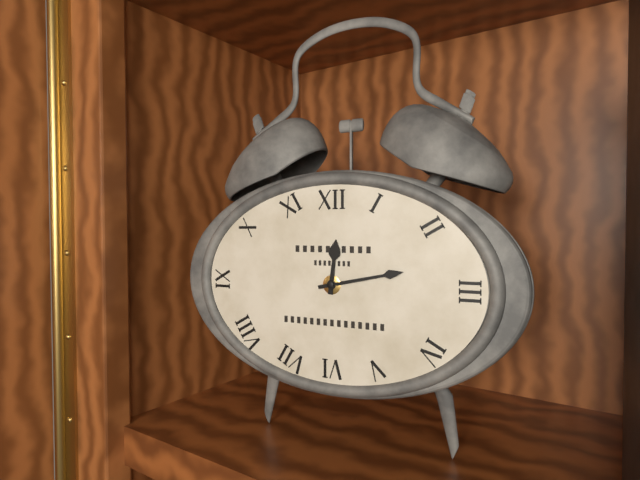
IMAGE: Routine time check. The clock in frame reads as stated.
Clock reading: 12:13
